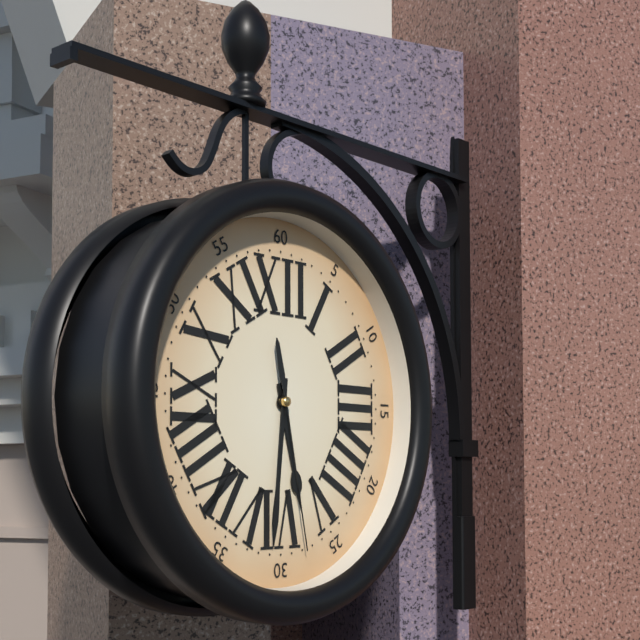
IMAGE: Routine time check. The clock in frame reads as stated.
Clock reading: 5:31:28
